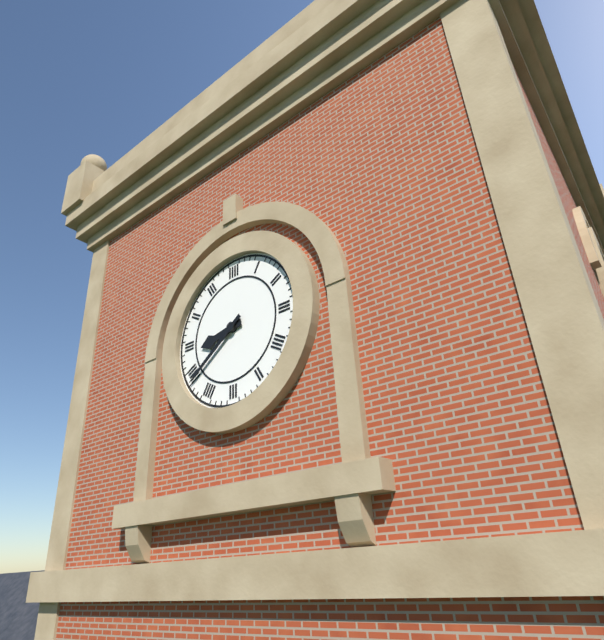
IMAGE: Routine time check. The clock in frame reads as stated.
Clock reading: 8:39
